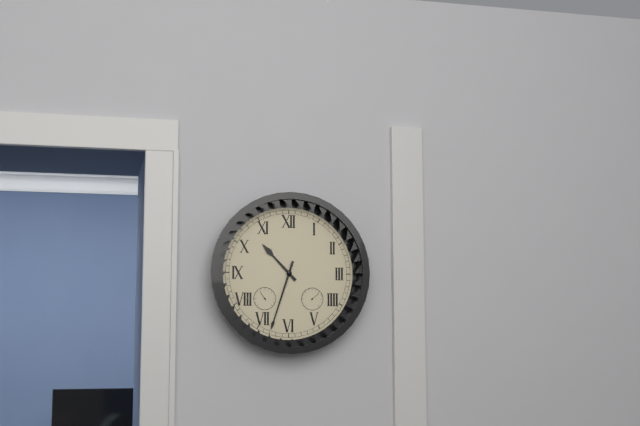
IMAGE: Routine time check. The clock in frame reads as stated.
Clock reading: 10:33
